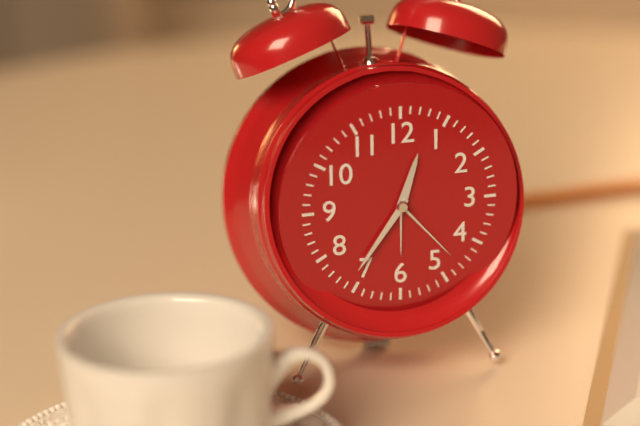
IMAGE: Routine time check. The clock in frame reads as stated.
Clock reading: 12:36:23
